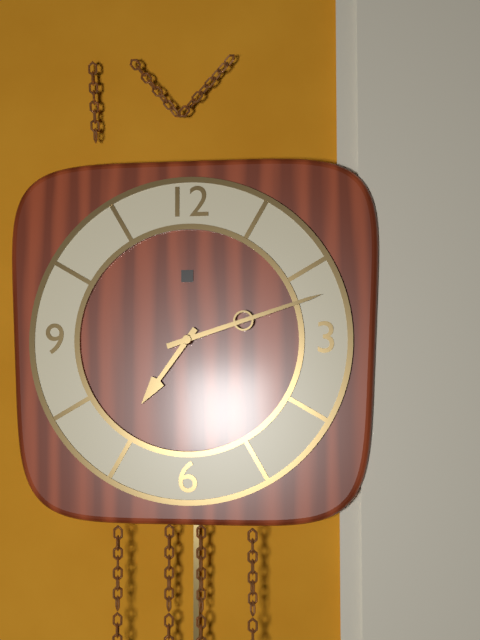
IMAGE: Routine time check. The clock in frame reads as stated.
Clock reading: 7:12
